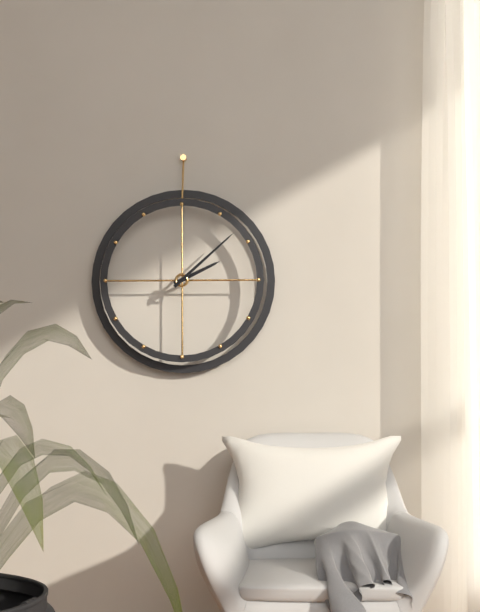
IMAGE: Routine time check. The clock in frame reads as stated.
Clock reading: 2:08
